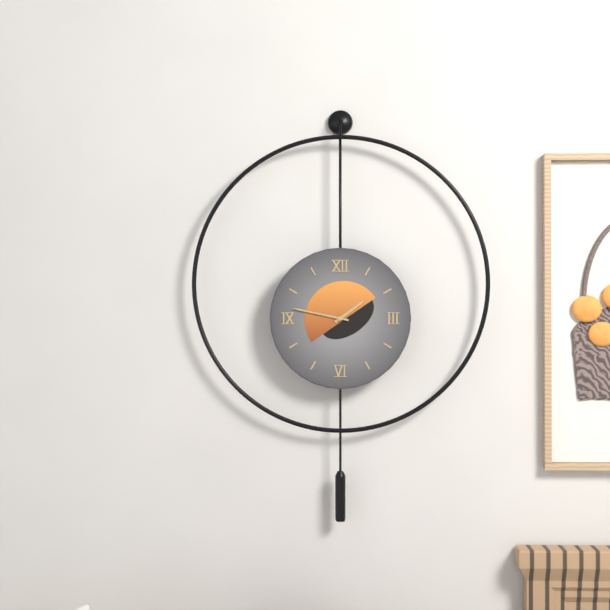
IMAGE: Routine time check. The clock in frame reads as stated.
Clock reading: 1:47
